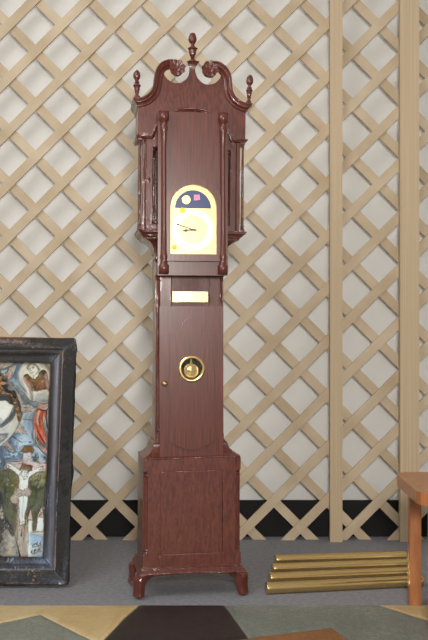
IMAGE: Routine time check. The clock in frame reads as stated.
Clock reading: 8:48
